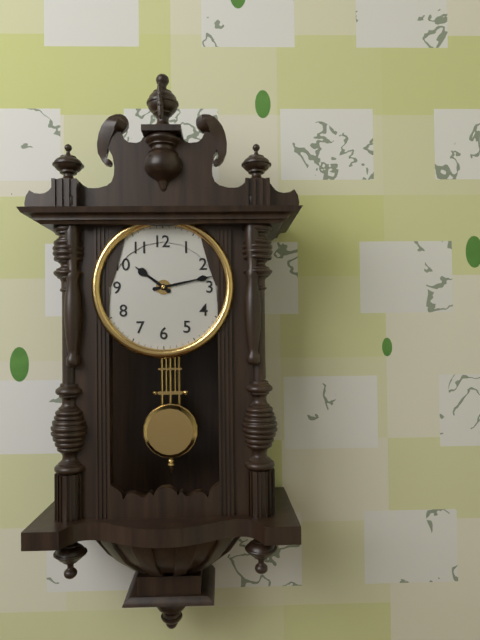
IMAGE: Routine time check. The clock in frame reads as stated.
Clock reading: 10:13
